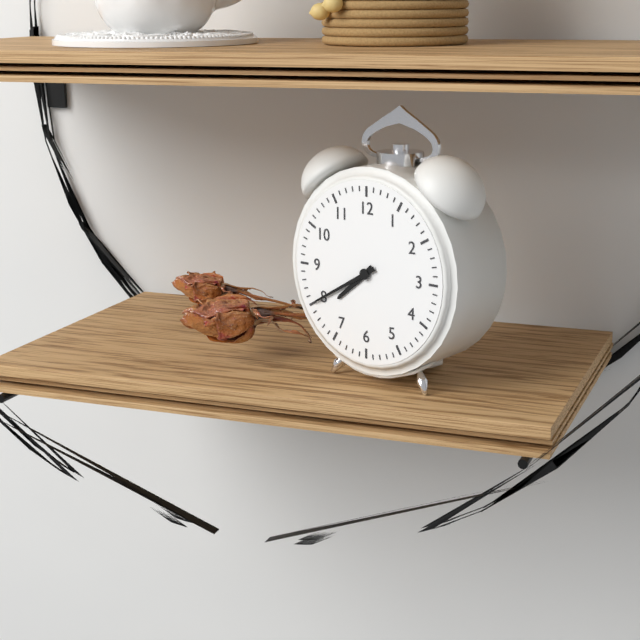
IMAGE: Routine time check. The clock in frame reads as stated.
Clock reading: 7:40
